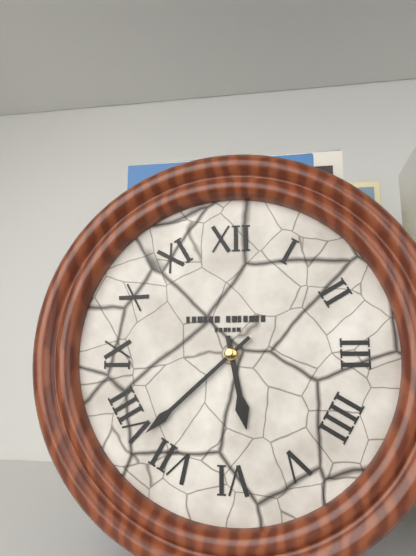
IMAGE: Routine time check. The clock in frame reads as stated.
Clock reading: 5:38
